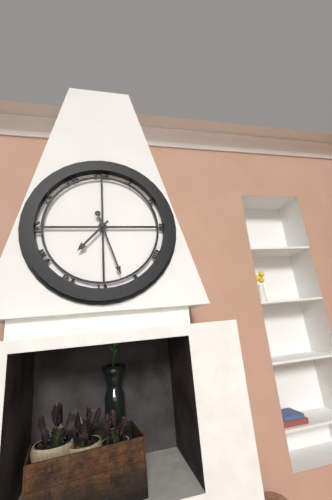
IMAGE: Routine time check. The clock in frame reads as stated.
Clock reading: 7:27
